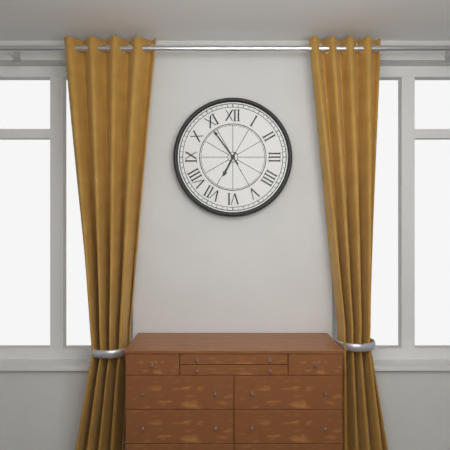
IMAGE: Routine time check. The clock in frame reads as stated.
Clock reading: 6:54
